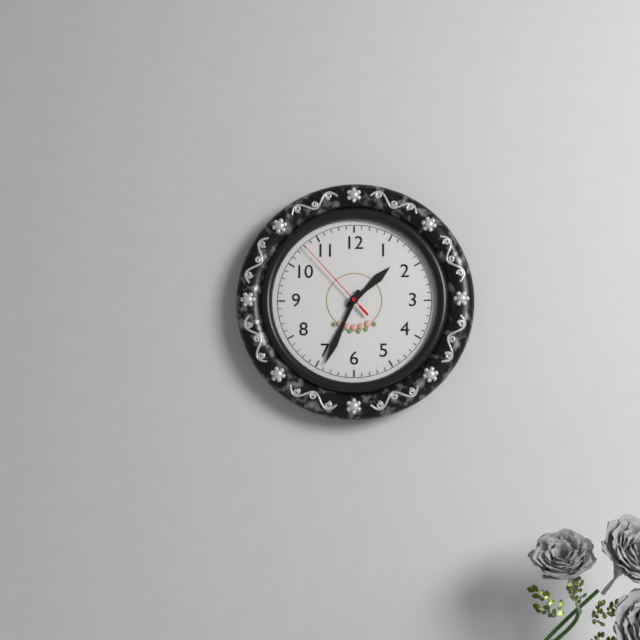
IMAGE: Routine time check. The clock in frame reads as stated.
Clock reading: 1:34:53
